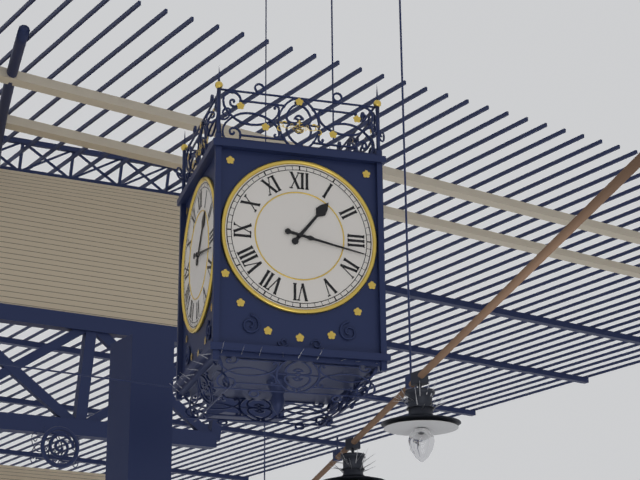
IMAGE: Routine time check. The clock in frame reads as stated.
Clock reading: 1:17
